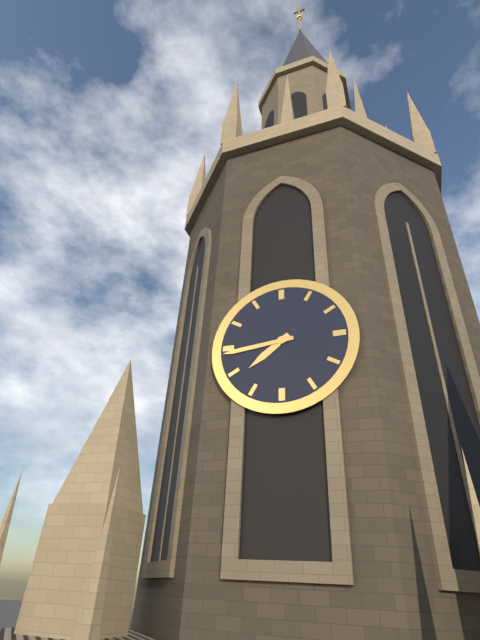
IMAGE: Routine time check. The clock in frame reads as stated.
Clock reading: 7:44
